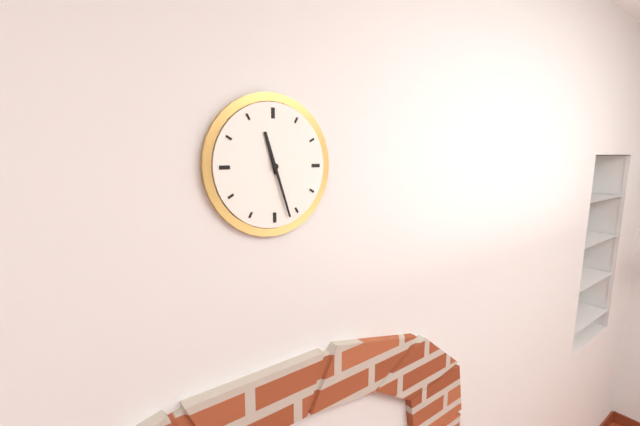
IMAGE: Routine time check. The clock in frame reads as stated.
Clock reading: 11:27
